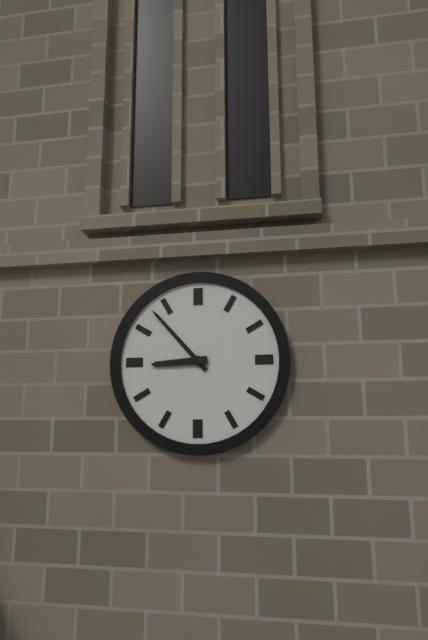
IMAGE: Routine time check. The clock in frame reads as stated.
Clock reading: 8:53
